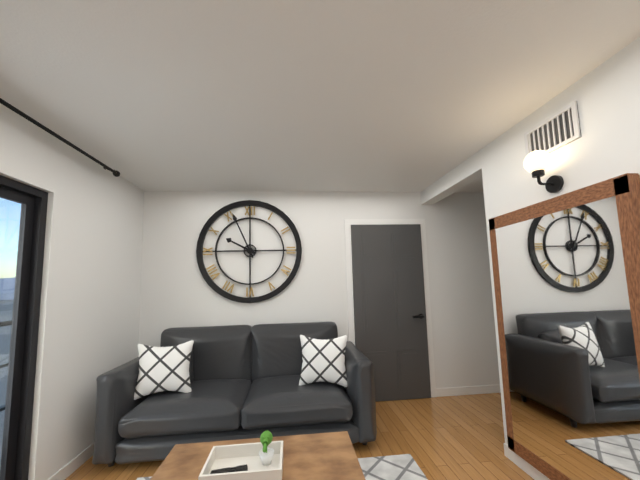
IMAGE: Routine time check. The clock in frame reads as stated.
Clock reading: 9:56
